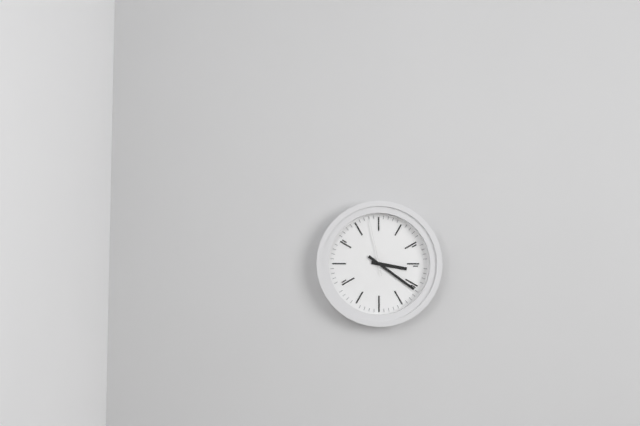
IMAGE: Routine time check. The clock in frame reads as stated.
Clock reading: 3:21:58
